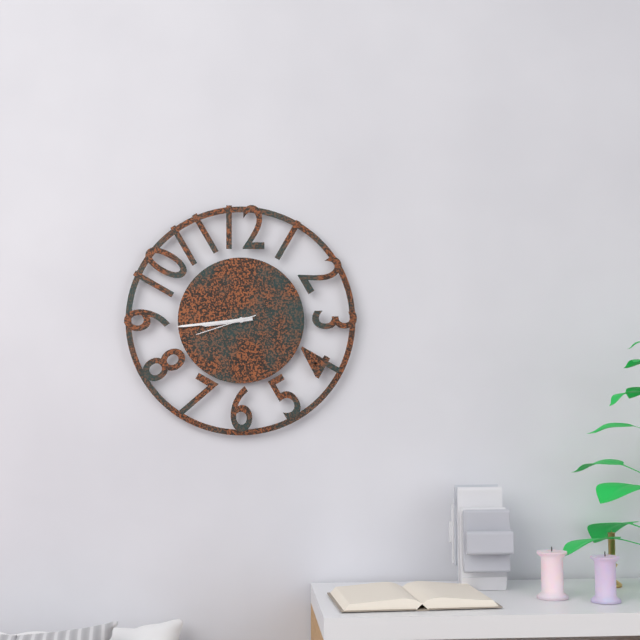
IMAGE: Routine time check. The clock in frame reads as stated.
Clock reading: 8:44:42
